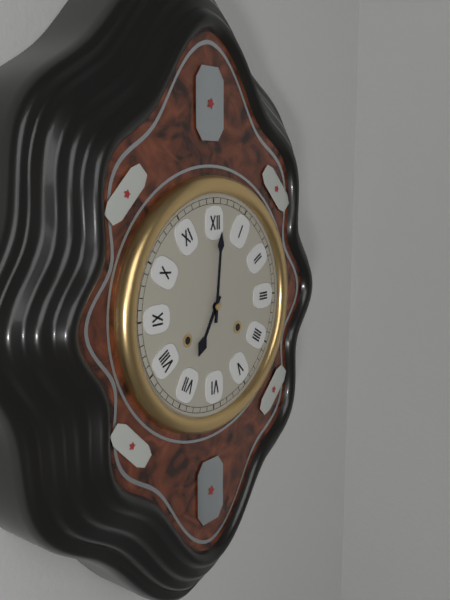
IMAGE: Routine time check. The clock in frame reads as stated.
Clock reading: 7:01
